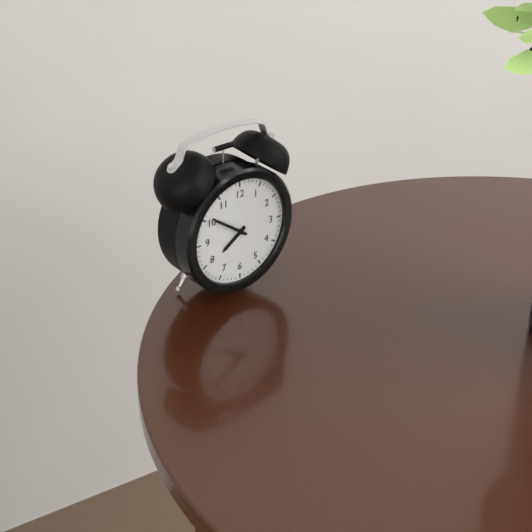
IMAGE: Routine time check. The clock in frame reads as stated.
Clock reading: 7:51
